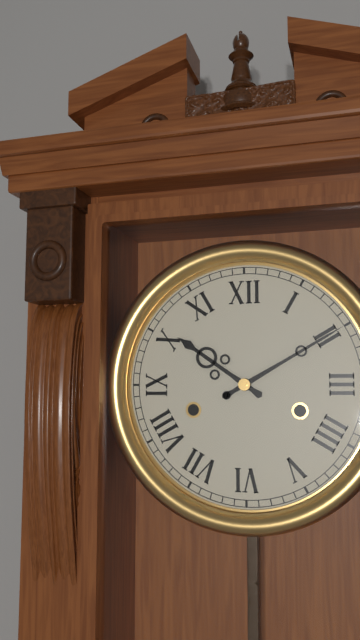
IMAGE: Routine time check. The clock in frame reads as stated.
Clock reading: 10:10
